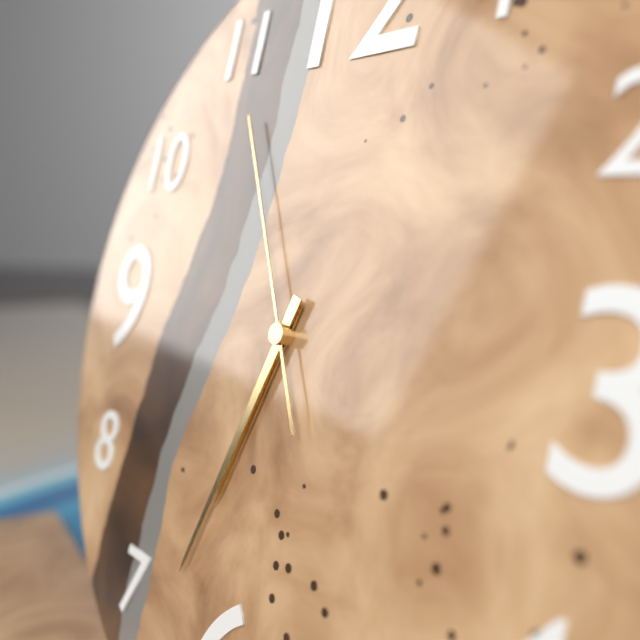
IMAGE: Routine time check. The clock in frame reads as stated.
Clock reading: 6:33:55
